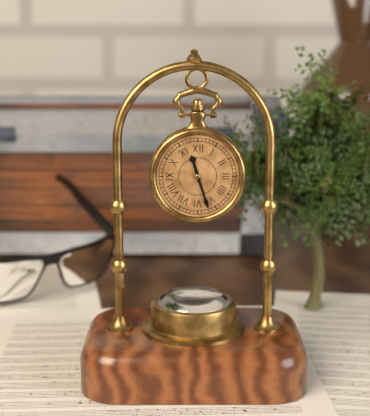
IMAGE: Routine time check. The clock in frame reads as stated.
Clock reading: 11:27
